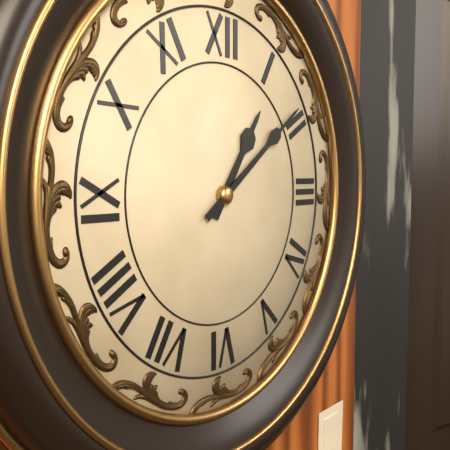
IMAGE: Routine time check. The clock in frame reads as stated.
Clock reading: 1:09
